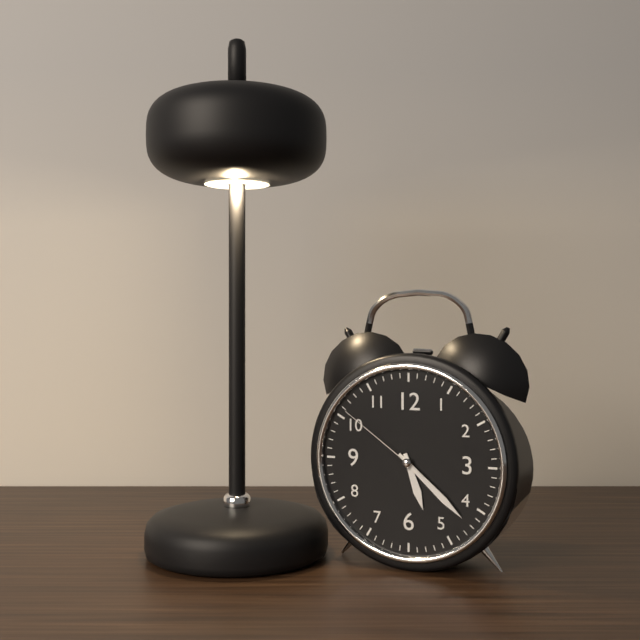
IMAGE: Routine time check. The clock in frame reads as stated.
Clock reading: 5:22:51
